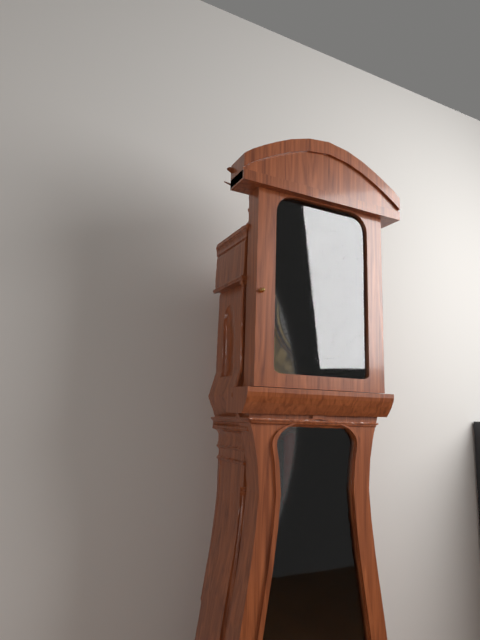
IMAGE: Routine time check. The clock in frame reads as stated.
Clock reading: 10:17
